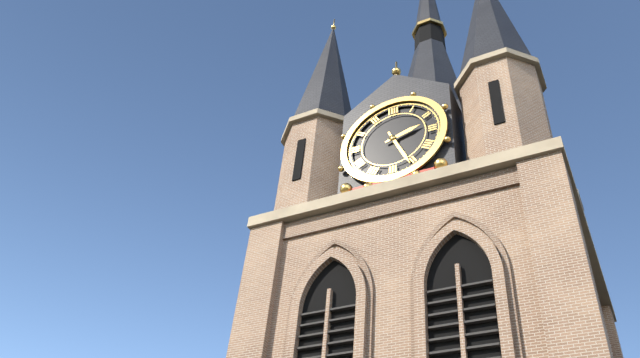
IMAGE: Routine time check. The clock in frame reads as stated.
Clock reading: 2:26
